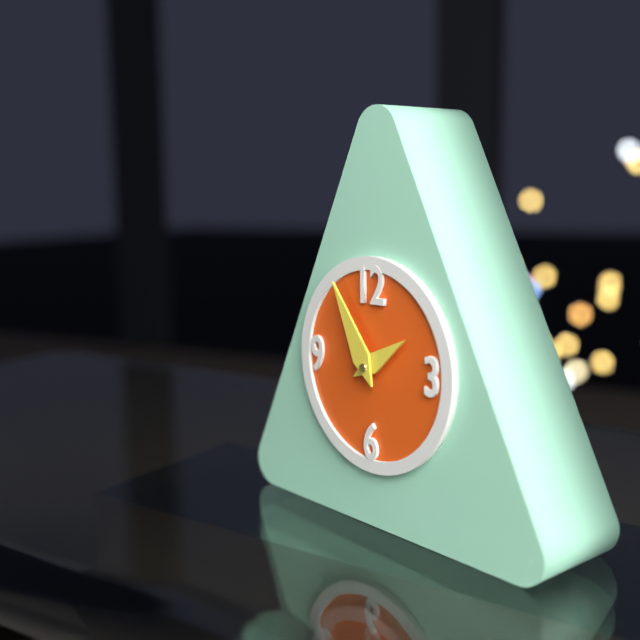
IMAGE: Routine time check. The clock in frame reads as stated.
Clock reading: 1:55
